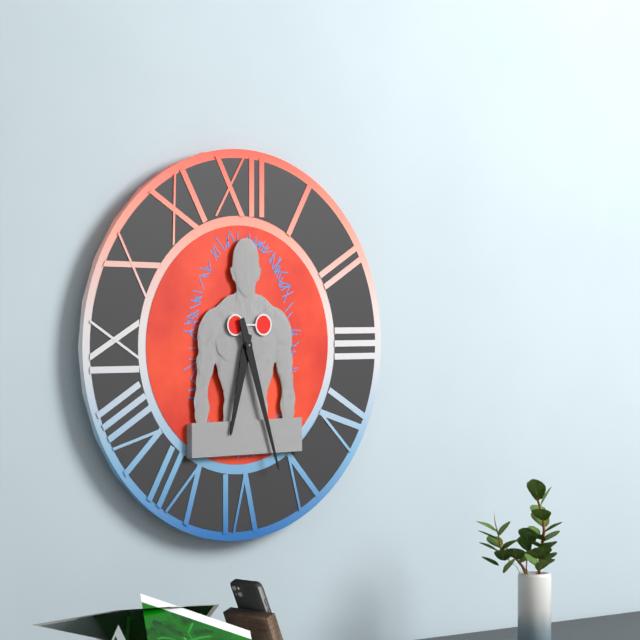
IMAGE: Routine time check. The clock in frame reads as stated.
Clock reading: 6:27
